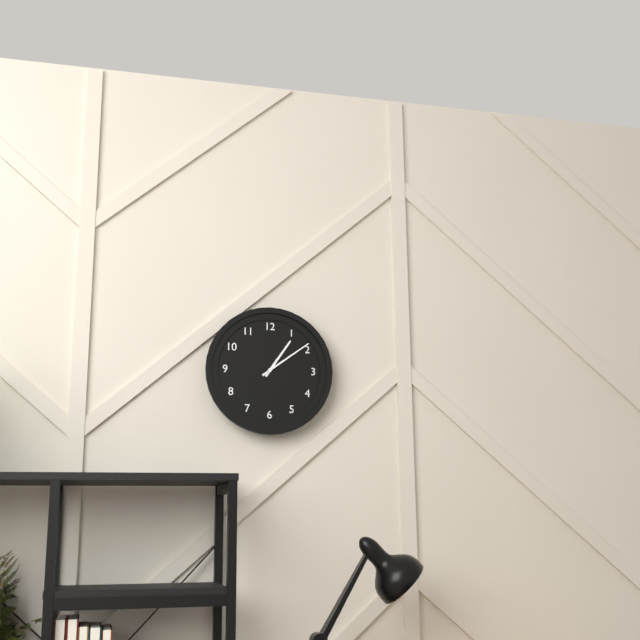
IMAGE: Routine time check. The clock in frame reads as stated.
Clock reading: 1:09
